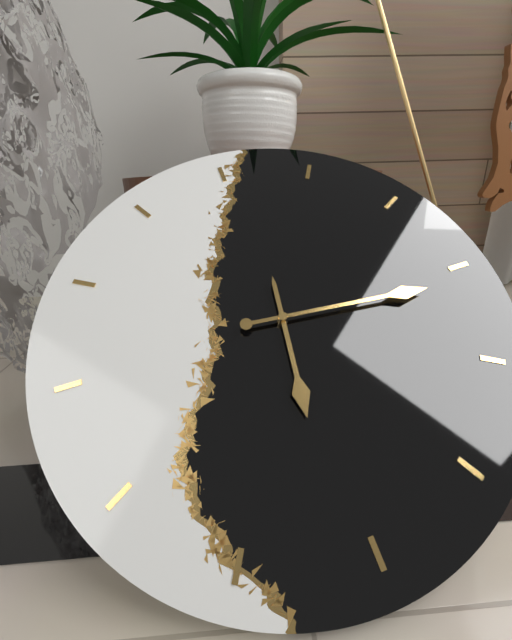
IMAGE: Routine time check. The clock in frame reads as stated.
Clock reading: 6:16
